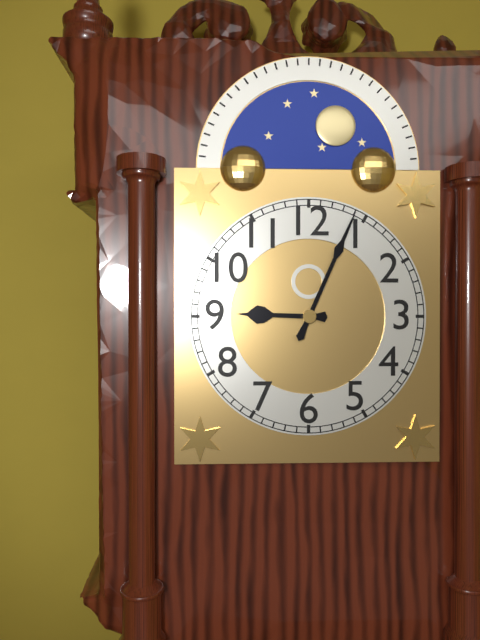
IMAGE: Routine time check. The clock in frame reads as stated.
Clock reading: 9:04
